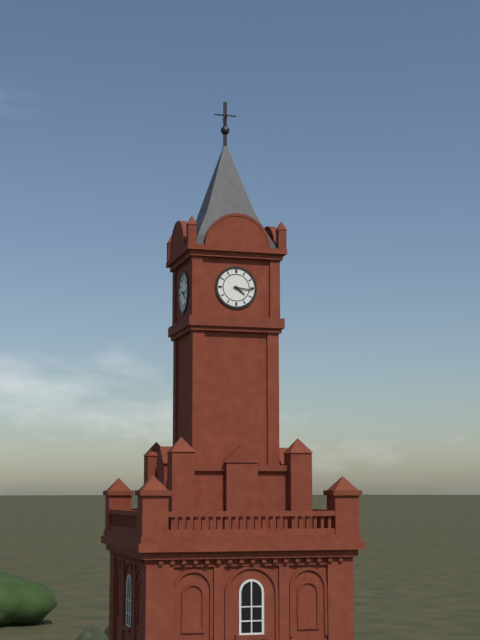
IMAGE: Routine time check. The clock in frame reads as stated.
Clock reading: 4:16
